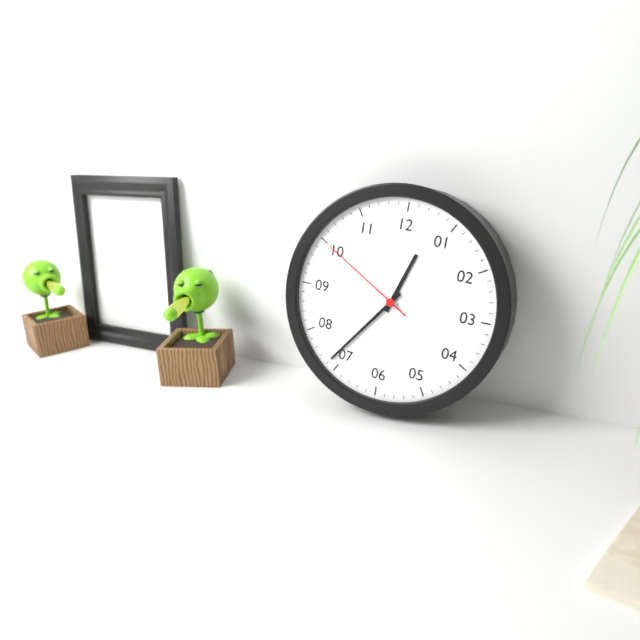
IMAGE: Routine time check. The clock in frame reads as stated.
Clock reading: 12:36:50
